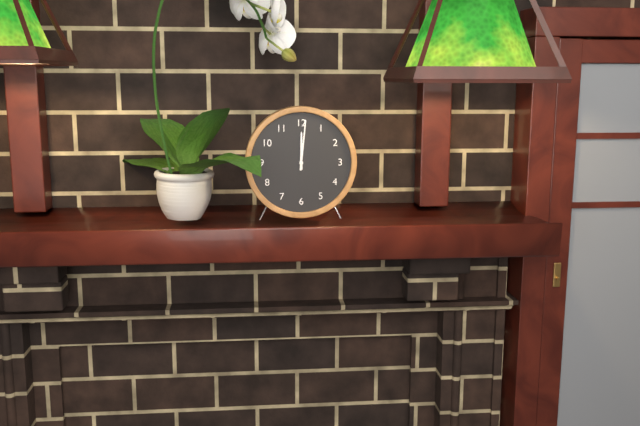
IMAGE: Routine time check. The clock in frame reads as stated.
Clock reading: 12:01
